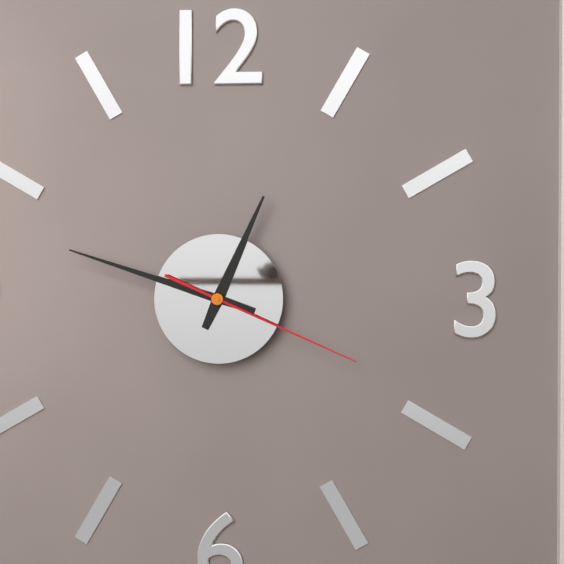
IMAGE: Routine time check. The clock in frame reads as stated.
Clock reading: 12:48:19
